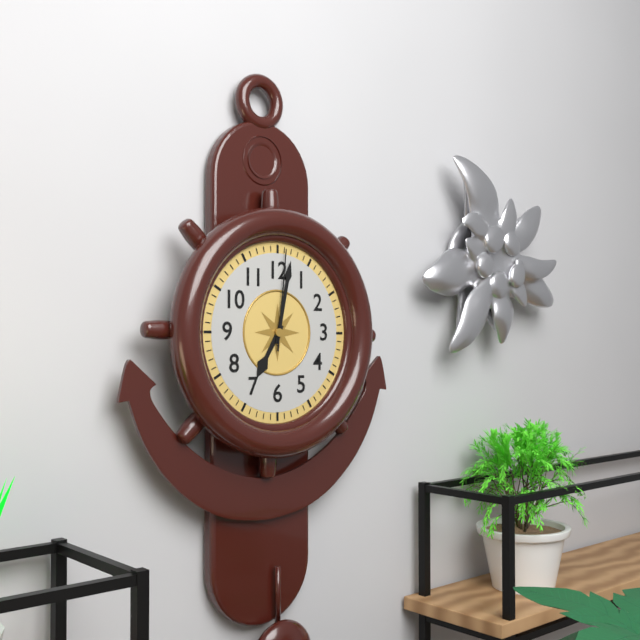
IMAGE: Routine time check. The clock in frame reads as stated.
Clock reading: 7:02:01
